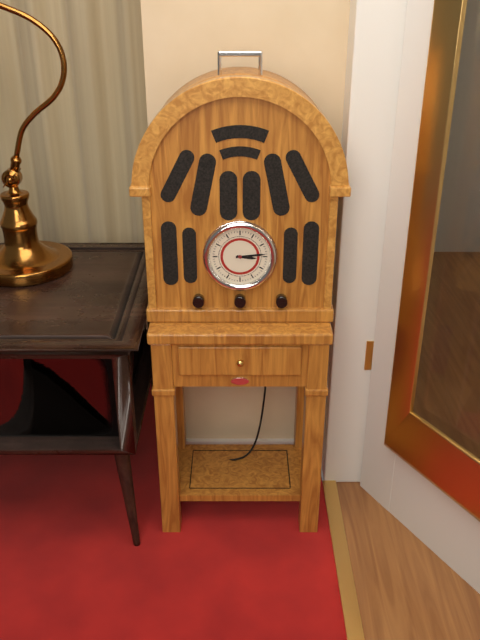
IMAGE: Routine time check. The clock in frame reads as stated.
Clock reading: 3:14
